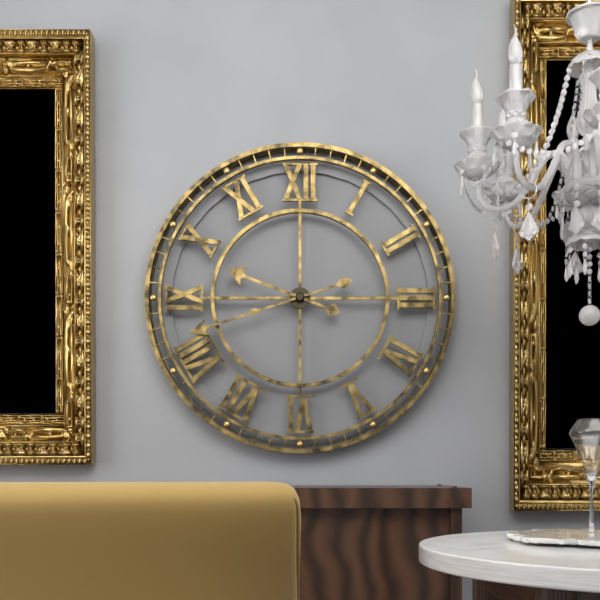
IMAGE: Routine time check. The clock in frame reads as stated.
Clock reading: 9:42
